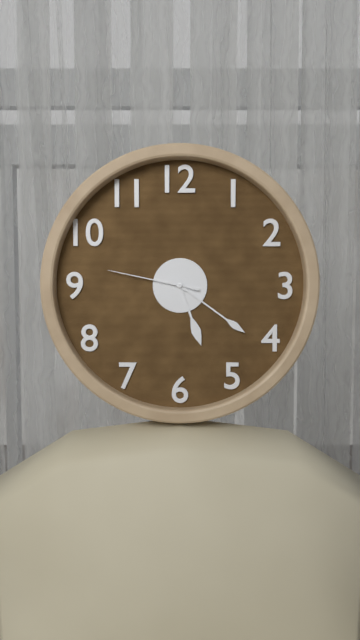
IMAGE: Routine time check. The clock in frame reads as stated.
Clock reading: 5:21:47
